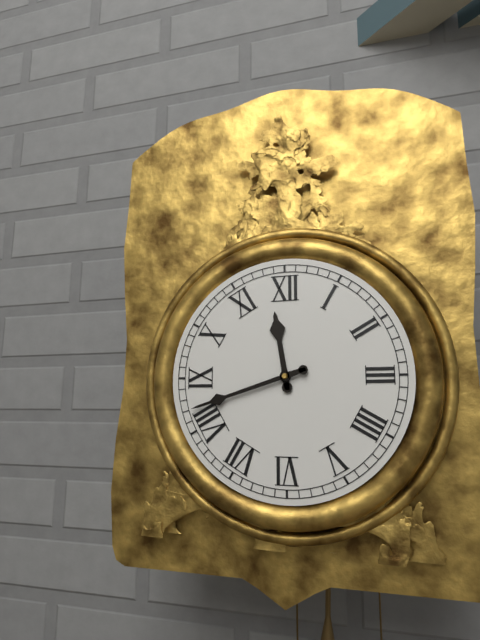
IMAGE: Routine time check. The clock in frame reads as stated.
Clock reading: 11:42
